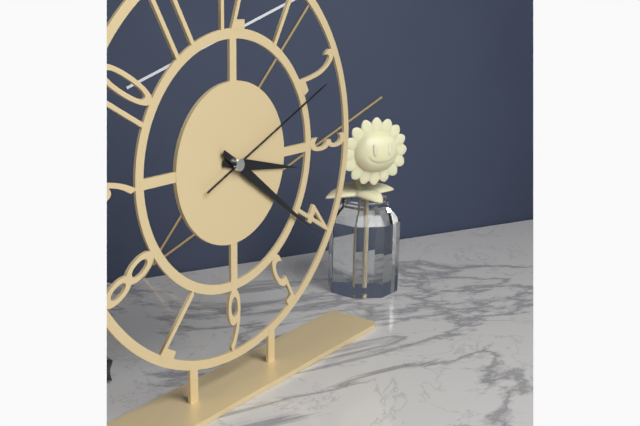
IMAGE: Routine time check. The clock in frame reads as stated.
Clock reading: 3:21:11
